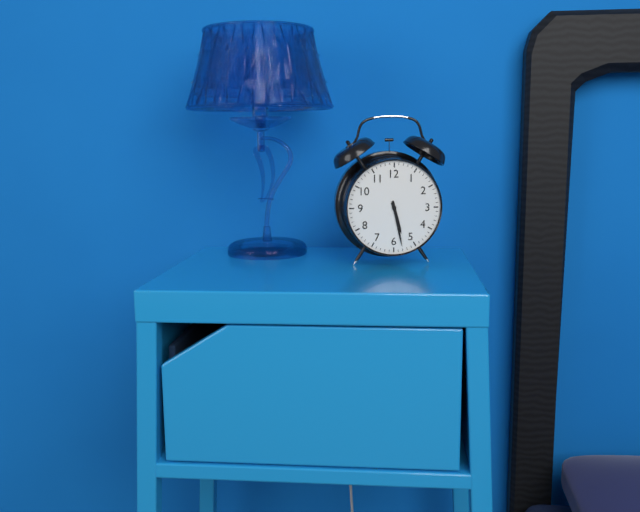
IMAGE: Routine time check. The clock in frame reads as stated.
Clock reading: 5:28
